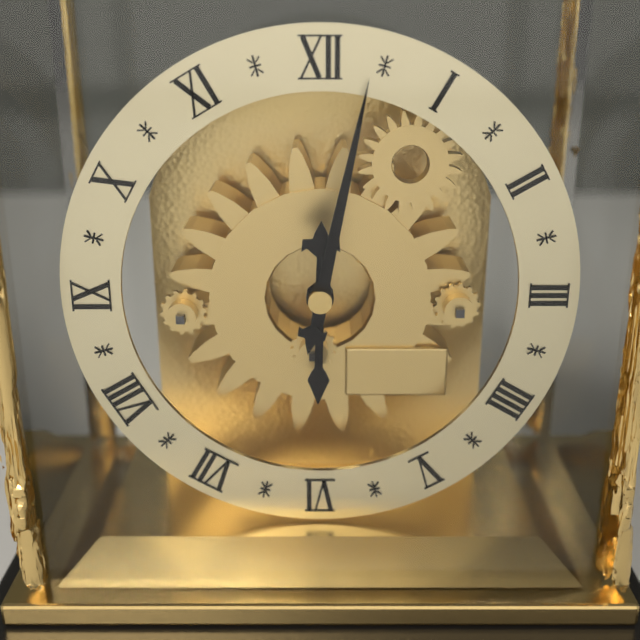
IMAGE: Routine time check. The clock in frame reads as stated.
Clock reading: 6:02
